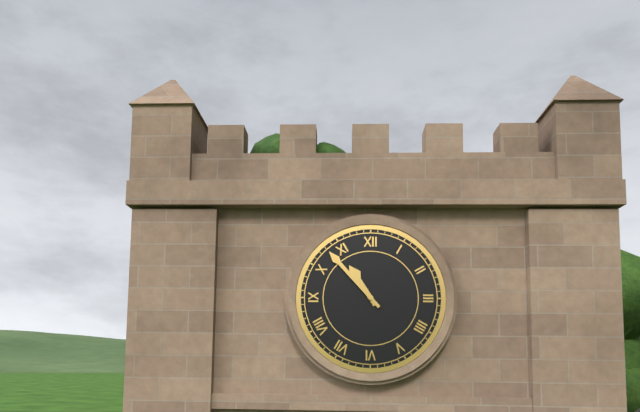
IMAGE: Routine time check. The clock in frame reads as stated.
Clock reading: 10:53
